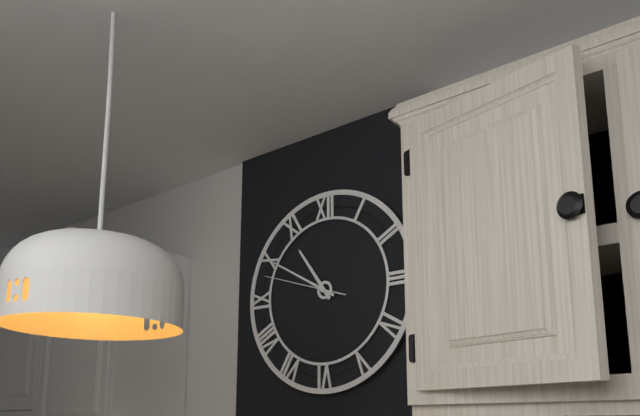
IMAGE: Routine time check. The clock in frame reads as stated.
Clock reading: 10:50:48
